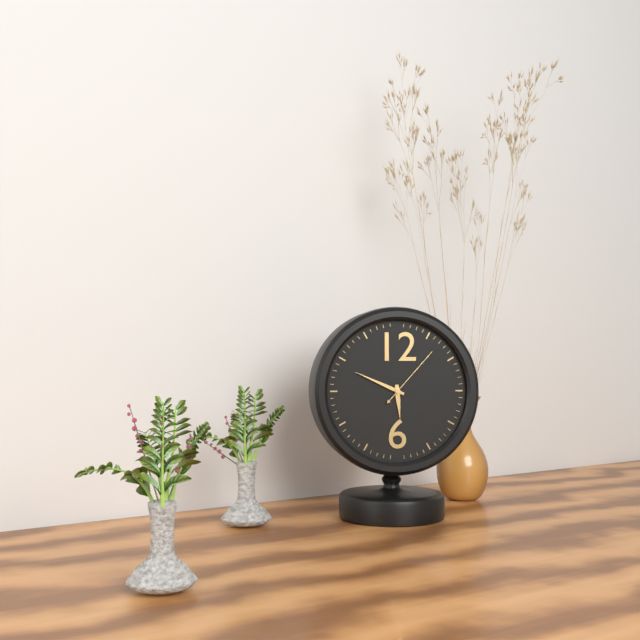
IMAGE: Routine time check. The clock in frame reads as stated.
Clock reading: 5:49:07
